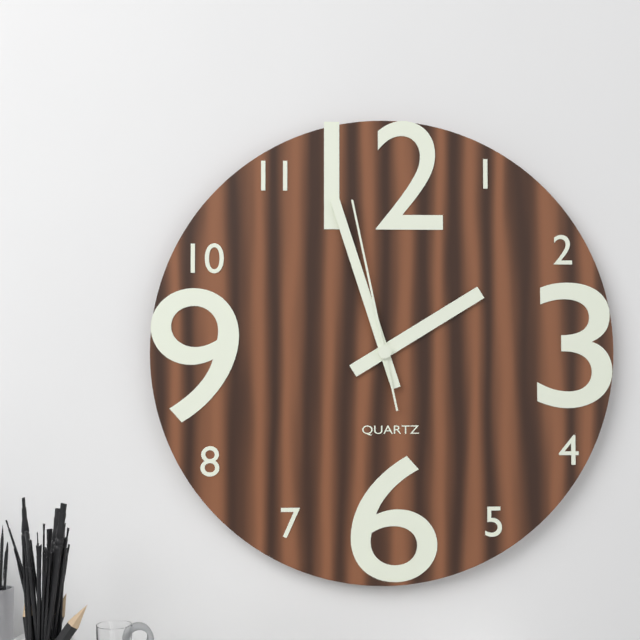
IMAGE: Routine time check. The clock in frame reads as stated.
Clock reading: 1:57:58
